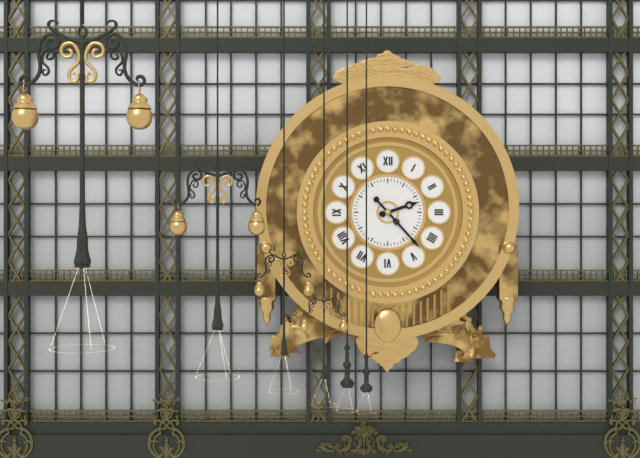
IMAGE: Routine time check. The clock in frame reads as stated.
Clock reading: 2:23
